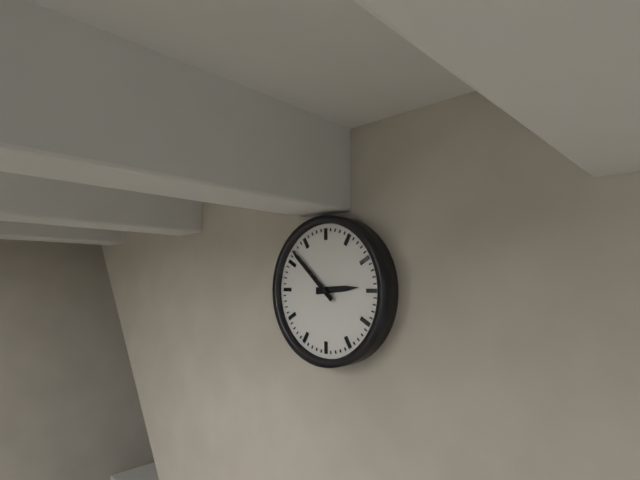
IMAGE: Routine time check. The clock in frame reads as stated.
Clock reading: 2:52
